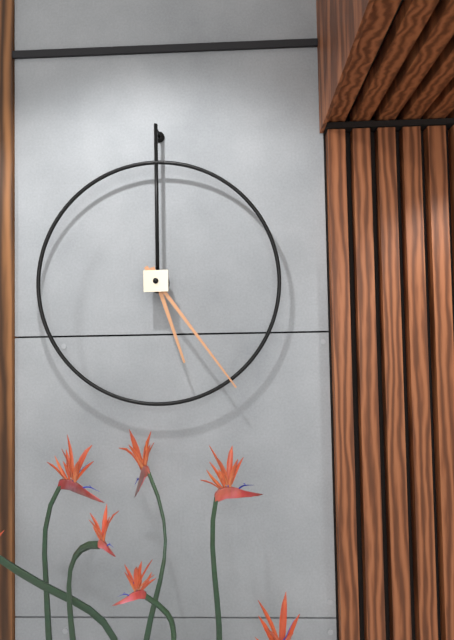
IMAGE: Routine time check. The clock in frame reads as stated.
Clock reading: 5:24
